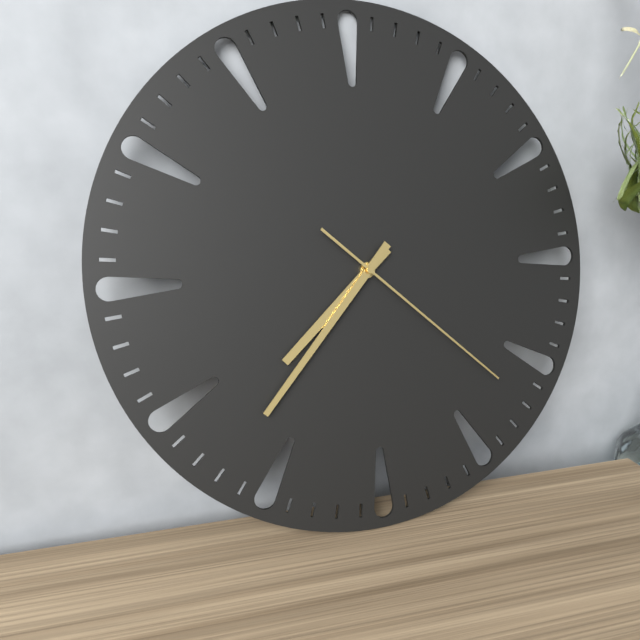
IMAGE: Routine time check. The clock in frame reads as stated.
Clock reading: 7:37:22
